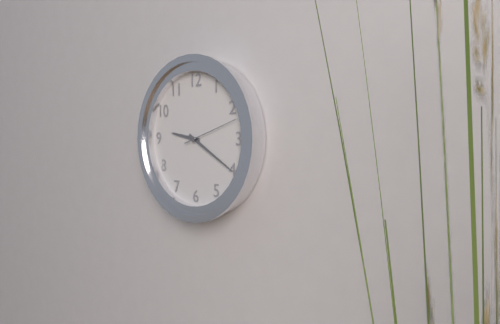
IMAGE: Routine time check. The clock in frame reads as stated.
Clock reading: 9:20:12
